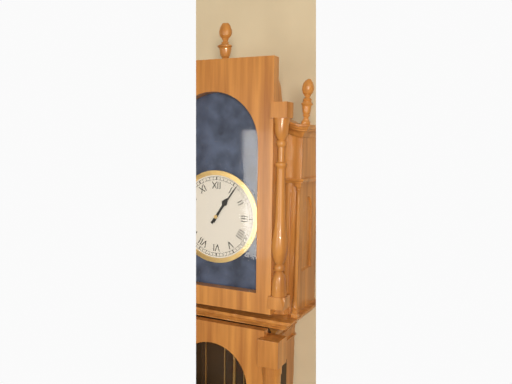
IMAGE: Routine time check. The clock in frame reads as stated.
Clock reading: 1:06
